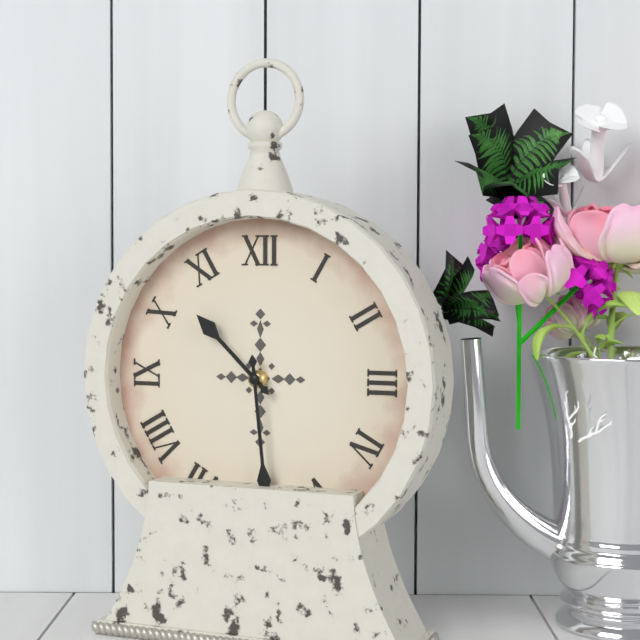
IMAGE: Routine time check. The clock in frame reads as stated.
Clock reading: 10:29
